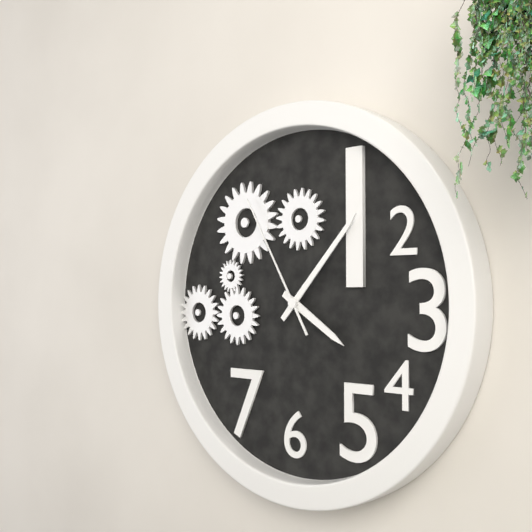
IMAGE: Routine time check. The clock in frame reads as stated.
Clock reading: 4:07:55
